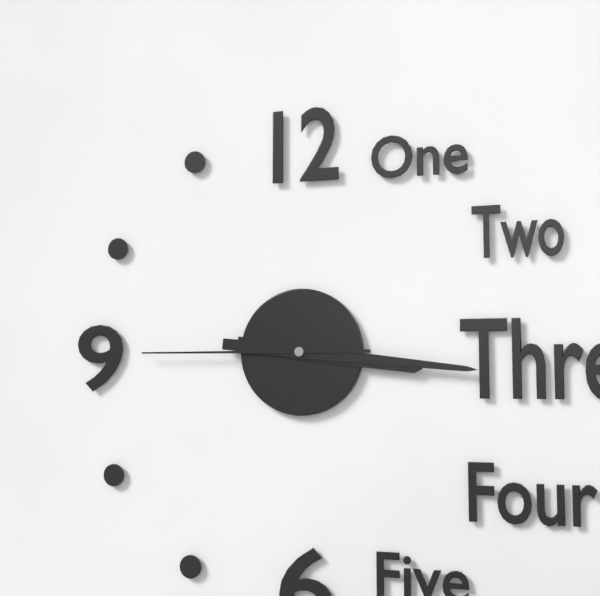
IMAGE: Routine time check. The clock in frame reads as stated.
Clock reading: 3:16:45
